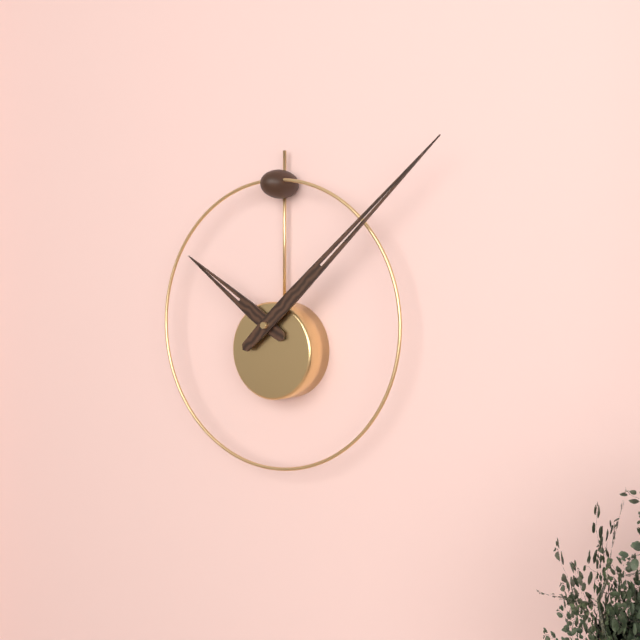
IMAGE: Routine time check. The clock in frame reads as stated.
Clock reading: 10:08
